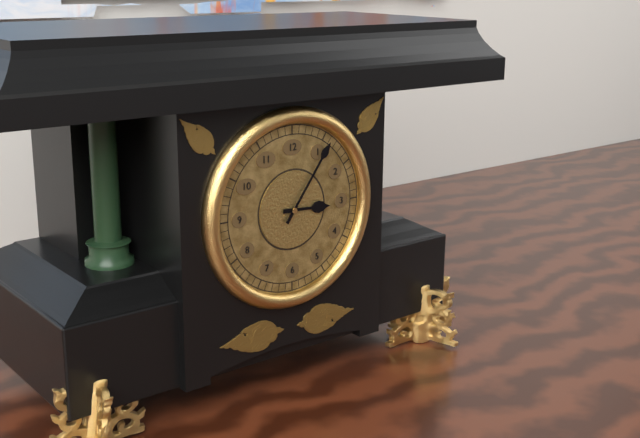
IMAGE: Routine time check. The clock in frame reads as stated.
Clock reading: 3:06
